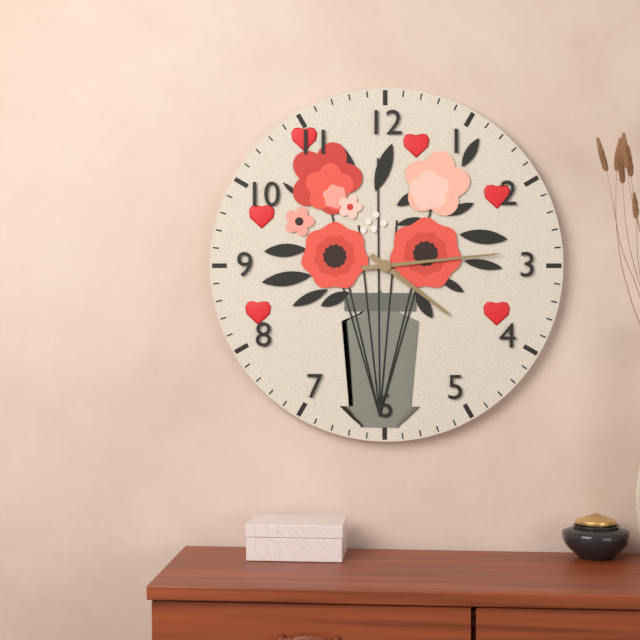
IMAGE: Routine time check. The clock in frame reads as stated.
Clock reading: 4:14
